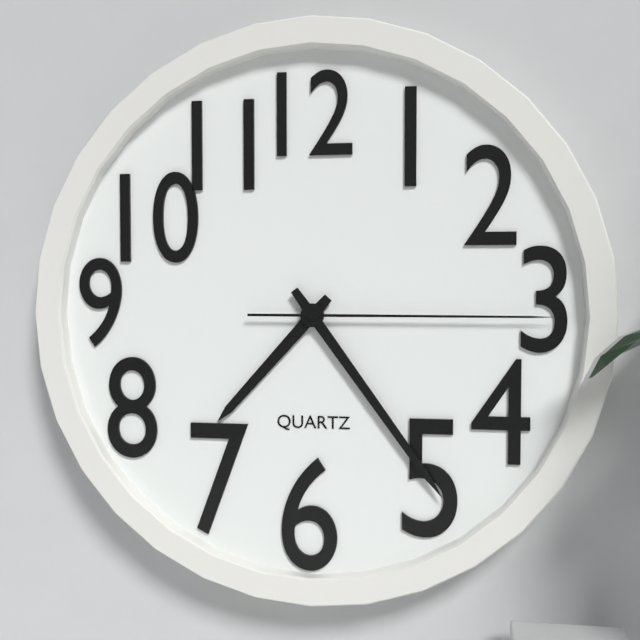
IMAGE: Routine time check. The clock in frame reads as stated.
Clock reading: 7:24:15
